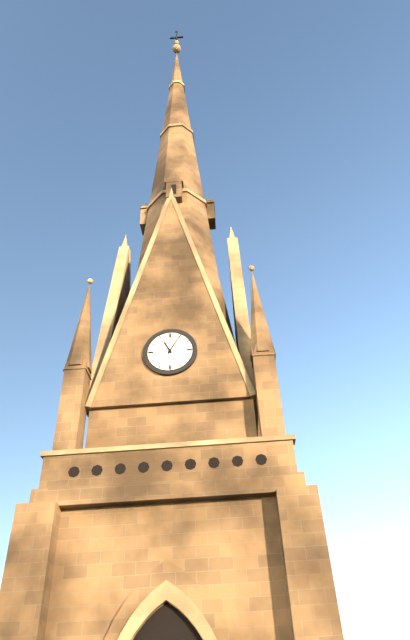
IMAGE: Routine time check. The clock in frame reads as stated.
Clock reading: 11:05
